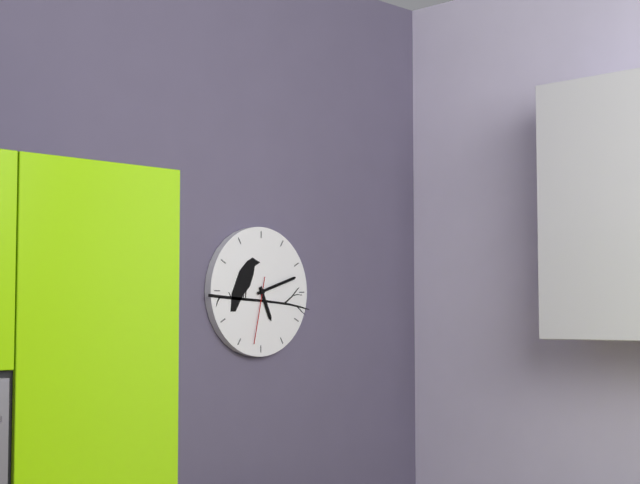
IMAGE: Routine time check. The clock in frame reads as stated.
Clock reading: 5:12:32
